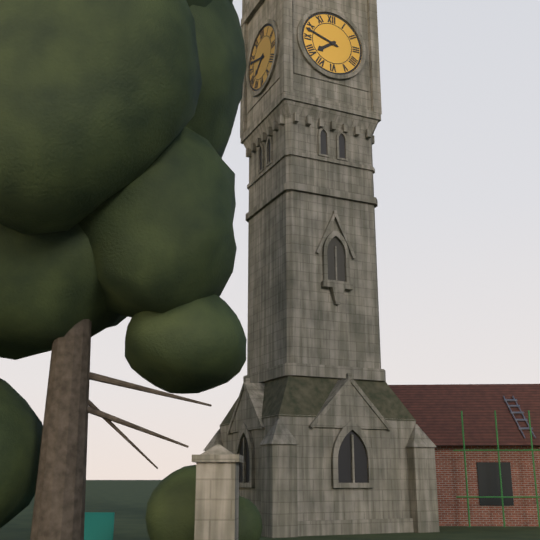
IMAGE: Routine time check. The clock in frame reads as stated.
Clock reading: 7:48
